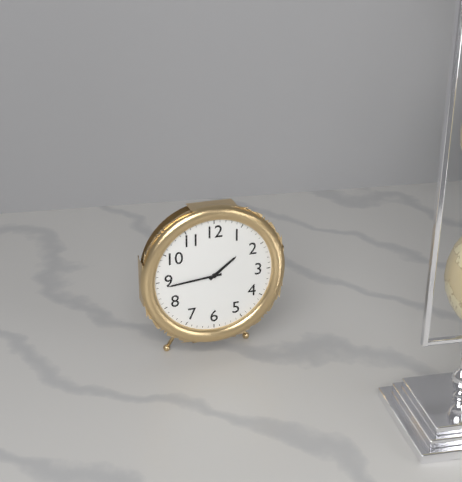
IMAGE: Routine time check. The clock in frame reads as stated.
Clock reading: 1:44
